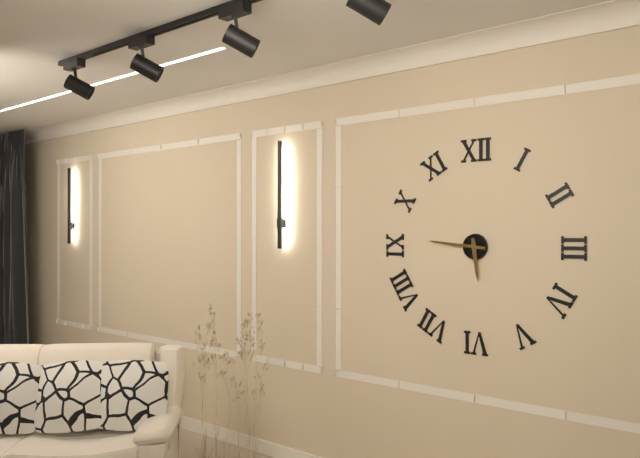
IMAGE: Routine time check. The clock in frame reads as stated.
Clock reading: 5:46
